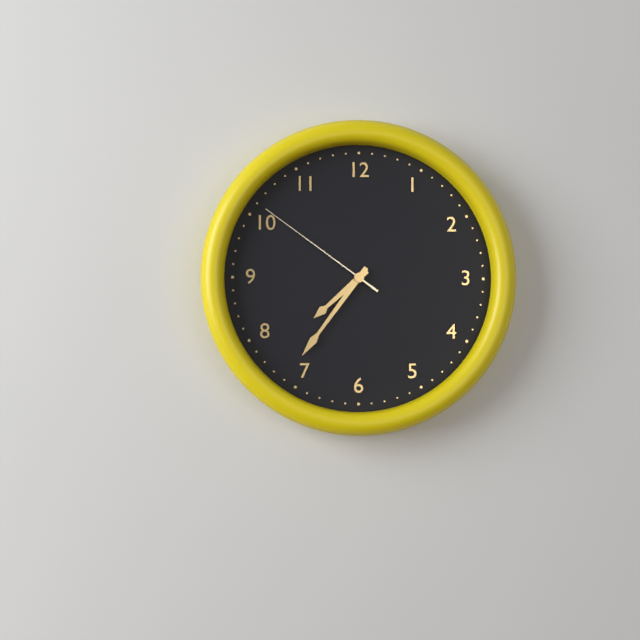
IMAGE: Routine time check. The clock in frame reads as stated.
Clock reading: 7:36:51
